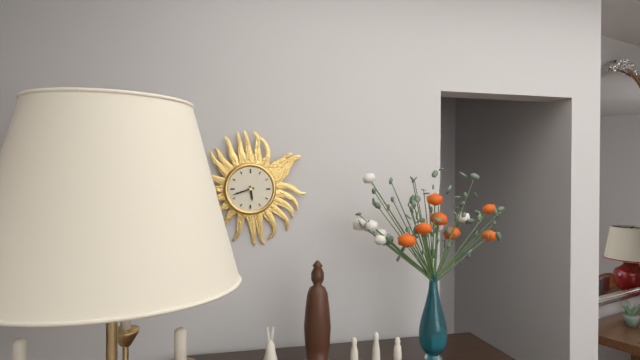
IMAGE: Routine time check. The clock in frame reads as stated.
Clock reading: 5:42
